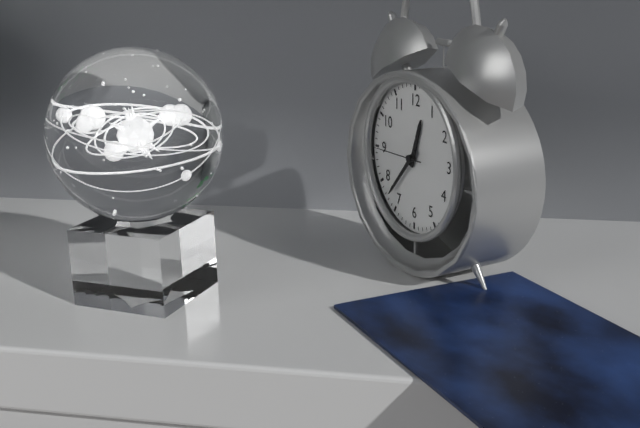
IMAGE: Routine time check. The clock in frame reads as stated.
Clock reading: 12:37
